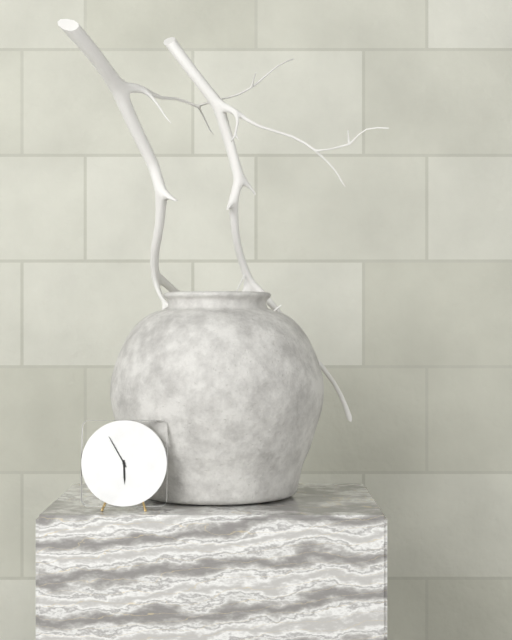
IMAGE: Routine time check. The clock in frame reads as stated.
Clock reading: 5:55
